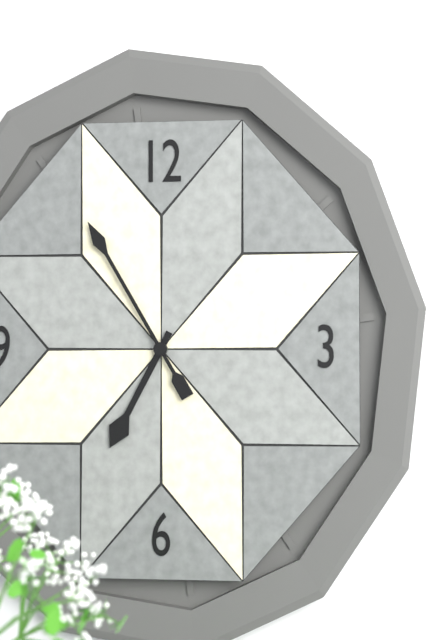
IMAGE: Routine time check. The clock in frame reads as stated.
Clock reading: 6:55
